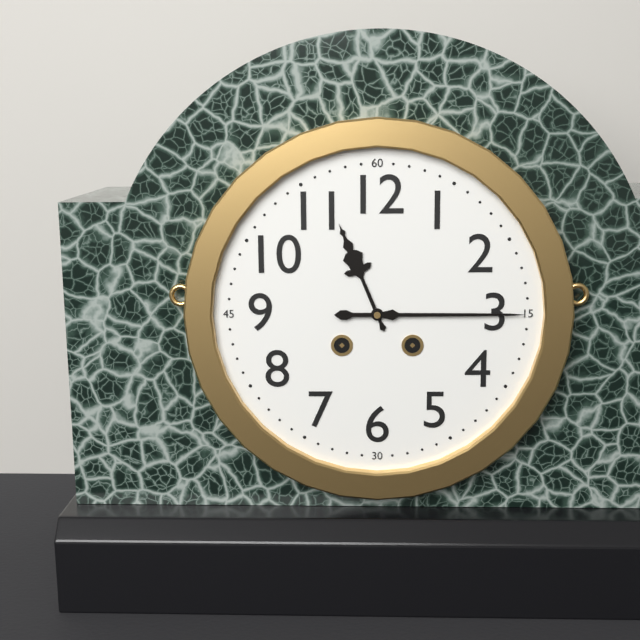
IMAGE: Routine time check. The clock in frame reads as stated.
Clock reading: 11:15
